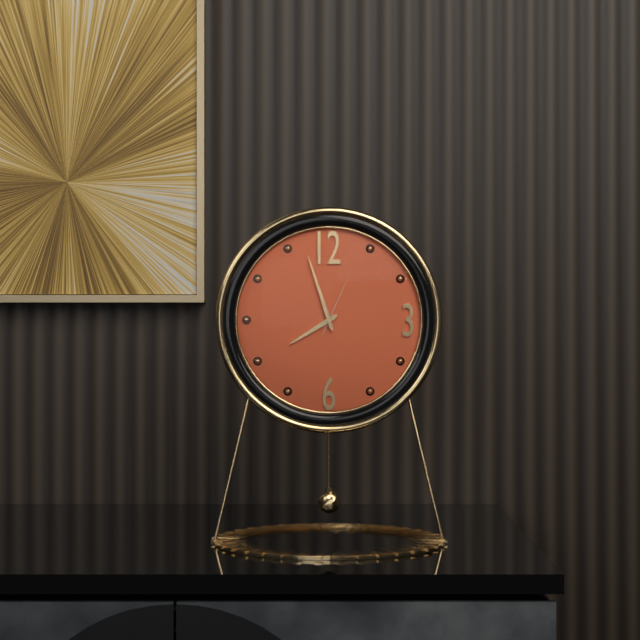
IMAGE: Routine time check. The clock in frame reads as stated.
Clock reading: 7:57:04
